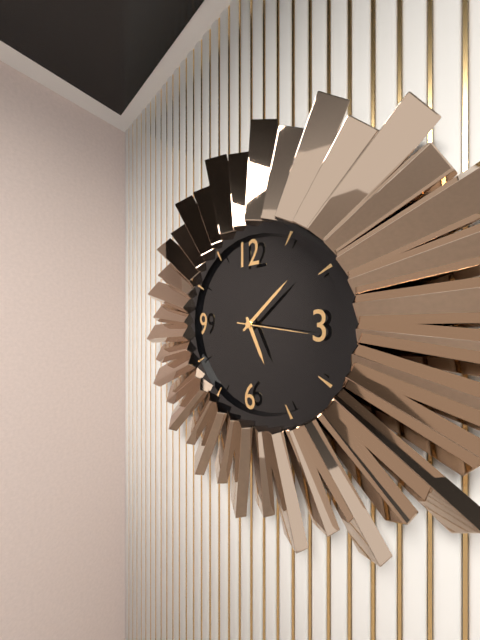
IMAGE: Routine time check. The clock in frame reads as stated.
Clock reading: 5:08:16
